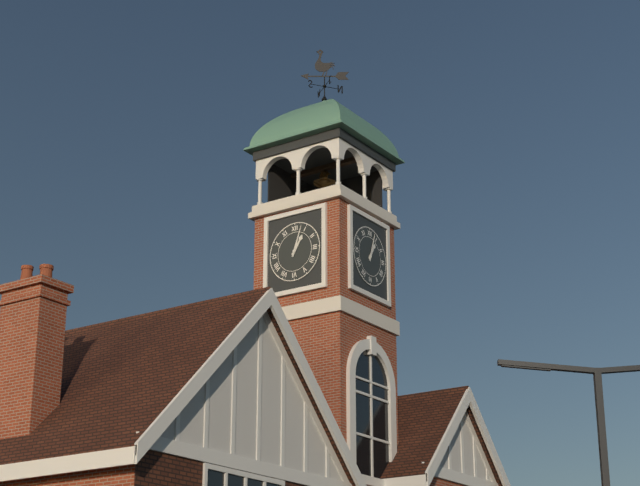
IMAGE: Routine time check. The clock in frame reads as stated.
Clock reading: 1:03
